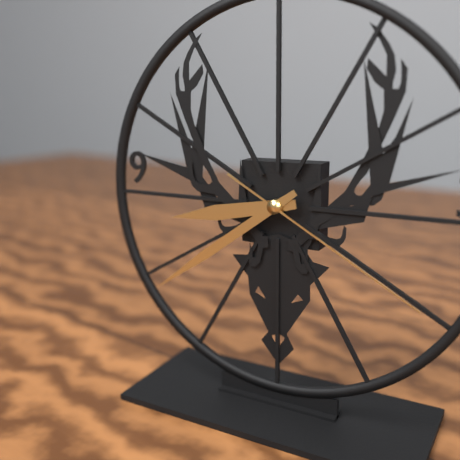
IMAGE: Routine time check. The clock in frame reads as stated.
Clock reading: 8:39:20
